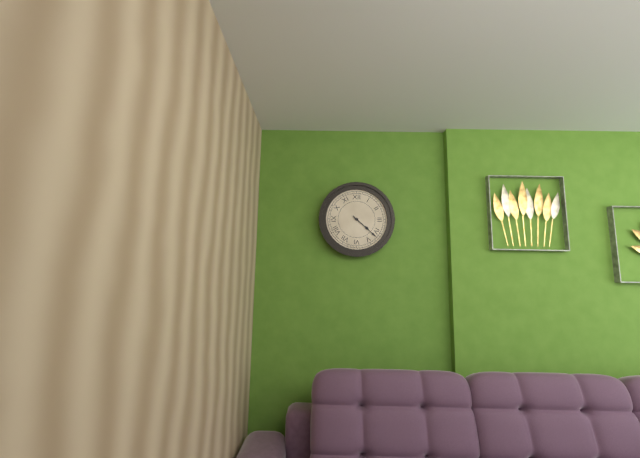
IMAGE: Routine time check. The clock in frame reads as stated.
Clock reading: 4:22
